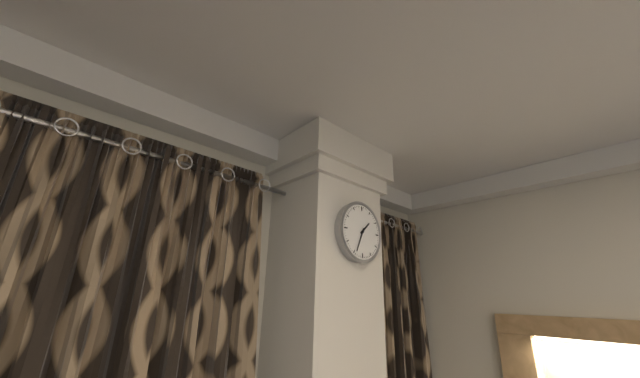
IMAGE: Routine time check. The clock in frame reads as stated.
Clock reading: 1:34
